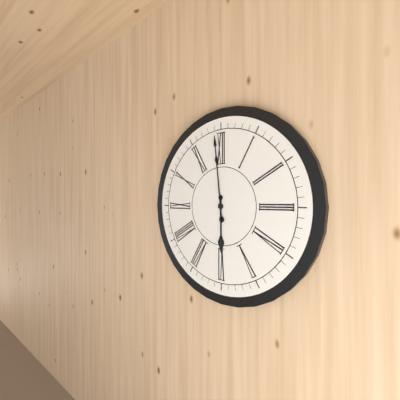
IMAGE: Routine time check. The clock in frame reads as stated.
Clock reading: 5:59
